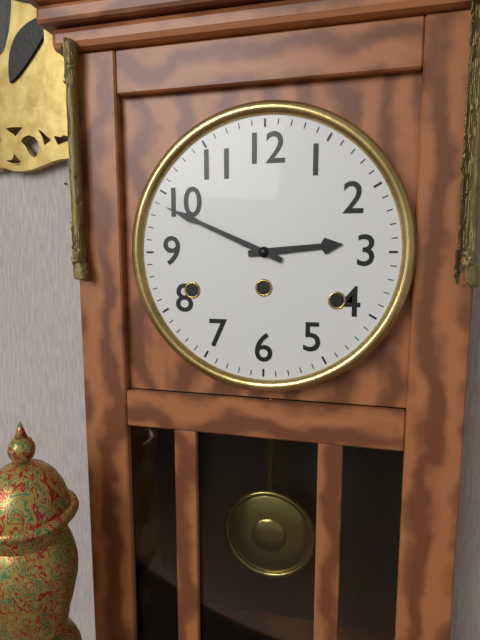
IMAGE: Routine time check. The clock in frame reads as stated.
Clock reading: 2:49
